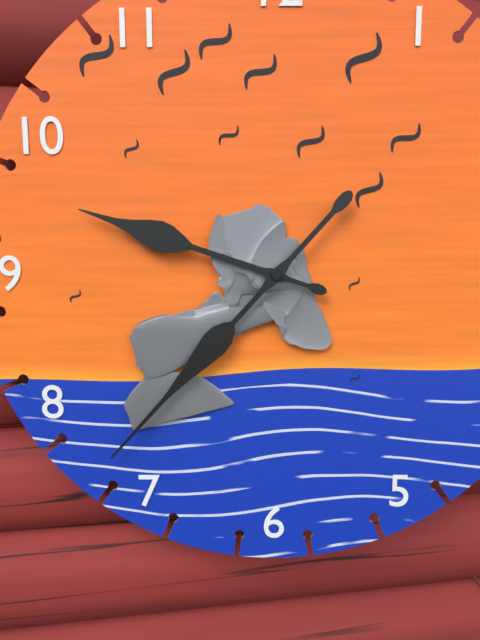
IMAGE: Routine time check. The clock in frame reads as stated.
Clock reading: 9:37
